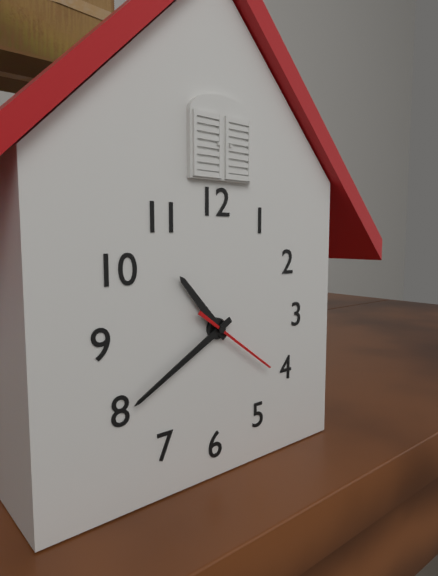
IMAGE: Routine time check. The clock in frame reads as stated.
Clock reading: 10:40:21
